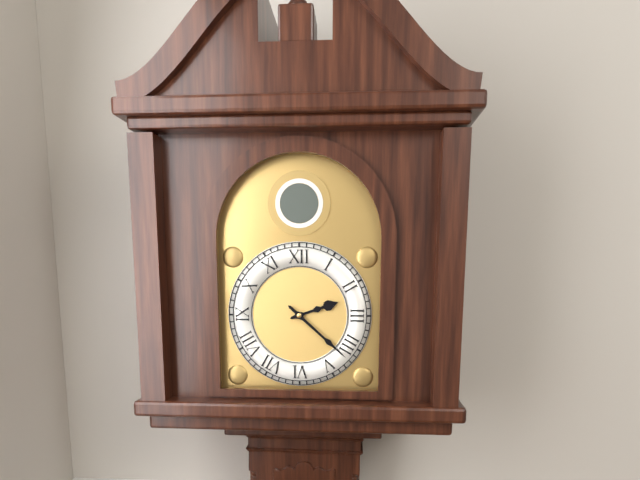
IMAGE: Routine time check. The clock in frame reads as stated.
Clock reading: 2:22
